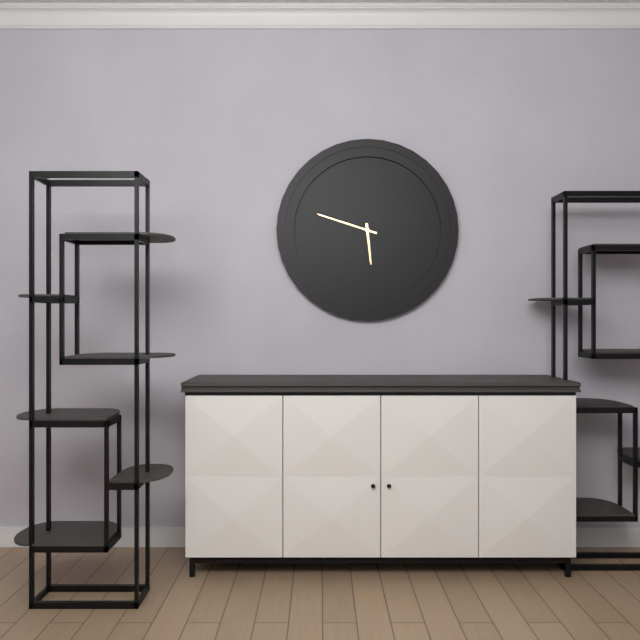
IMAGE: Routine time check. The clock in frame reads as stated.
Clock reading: 5:48
